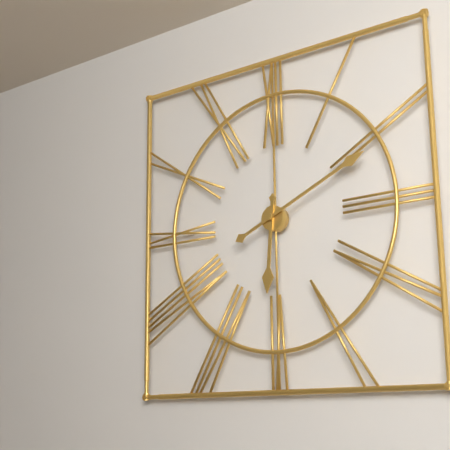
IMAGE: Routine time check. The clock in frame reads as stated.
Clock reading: 6:11
